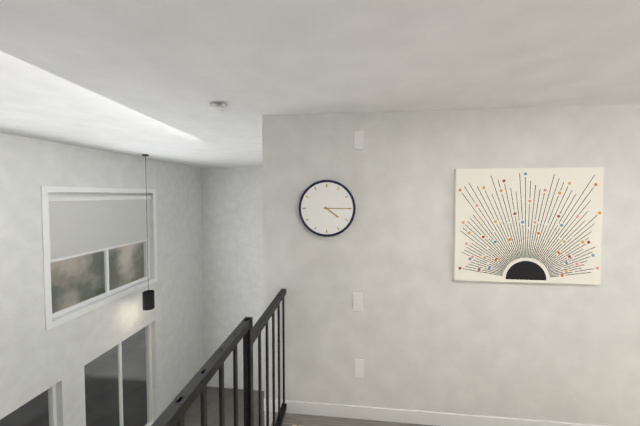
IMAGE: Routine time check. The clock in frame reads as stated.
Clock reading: 4:15
